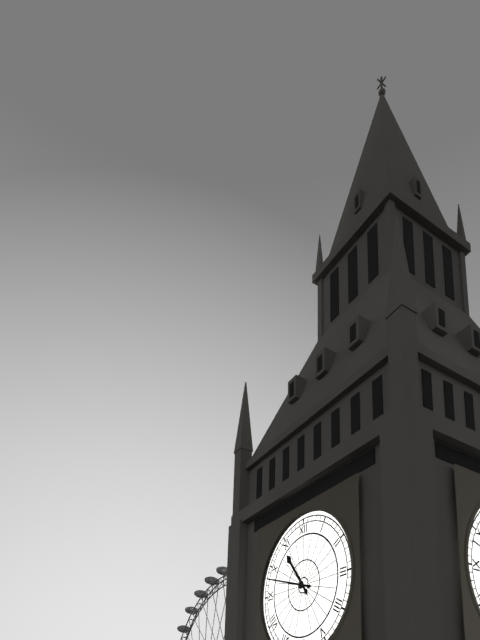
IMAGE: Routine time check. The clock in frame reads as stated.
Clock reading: 10:48
